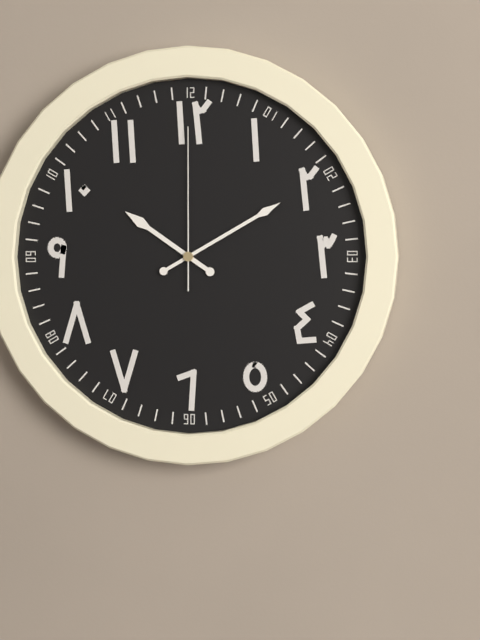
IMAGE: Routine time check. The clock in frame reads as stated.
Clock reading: 10:10:00
